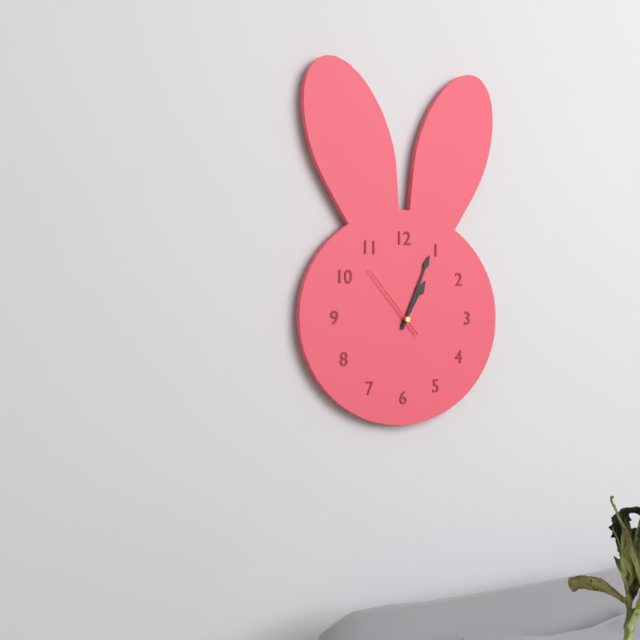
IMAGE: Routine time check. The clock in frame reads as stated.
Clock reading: 1:04:53
